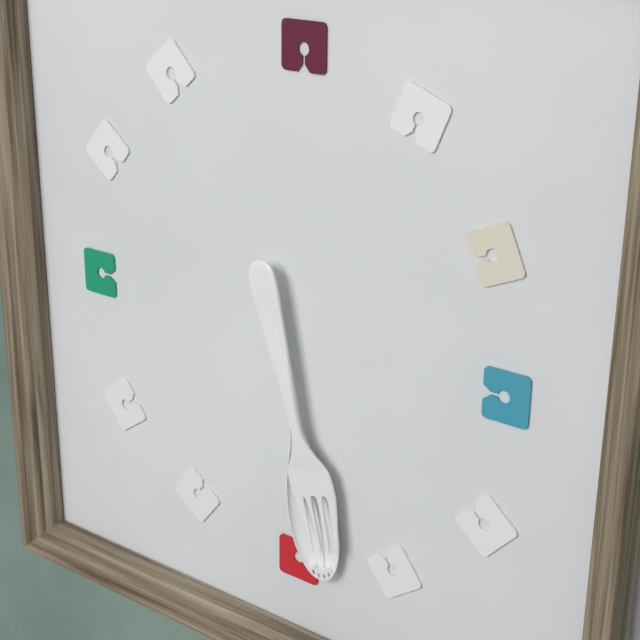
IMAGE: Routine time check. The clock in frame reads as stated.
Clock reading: 5:28
